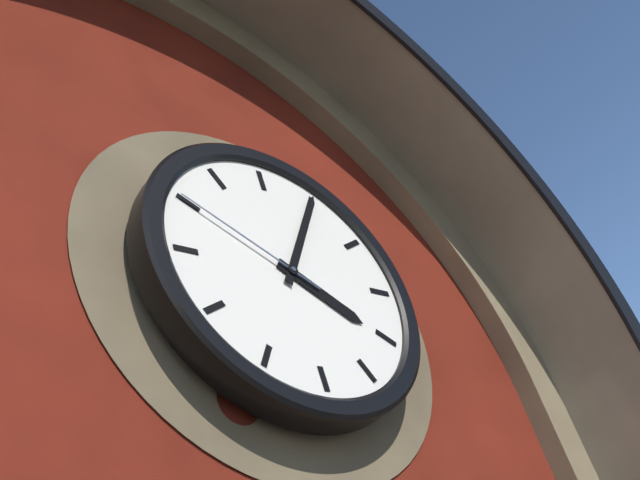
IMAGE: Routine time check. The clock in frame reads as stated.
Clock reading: 4:05:50
